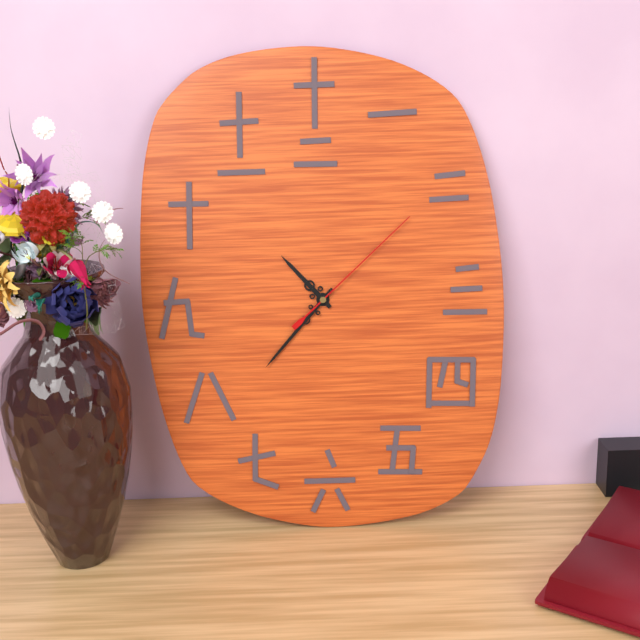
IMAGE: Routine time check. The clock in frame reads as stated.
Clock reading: 10:37:08
